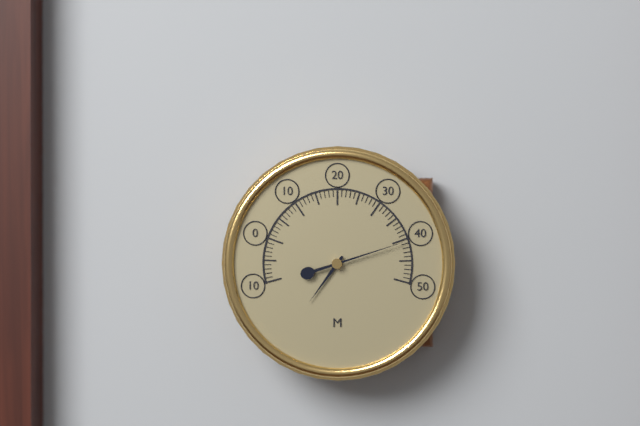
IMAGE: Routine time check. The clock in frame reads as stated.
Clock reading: 7:12
